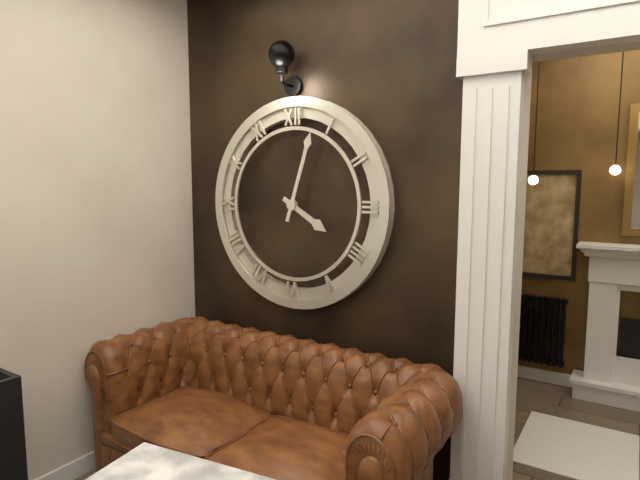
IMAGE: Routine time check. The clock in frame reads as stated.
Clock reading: 4:03
